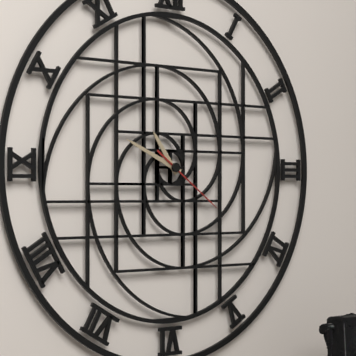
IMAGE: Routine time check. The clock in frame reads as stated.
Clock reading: 10:49:21
